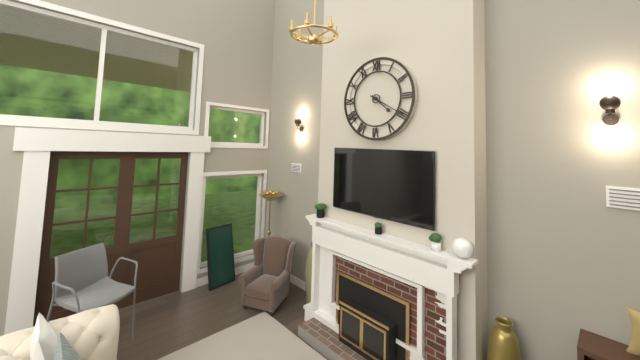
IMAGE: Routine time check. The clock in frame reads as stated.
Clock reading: 4:20
